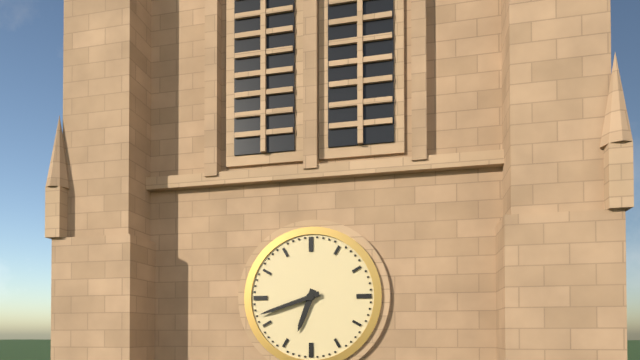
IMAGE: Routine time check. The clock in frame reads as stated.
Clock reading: 6:42
